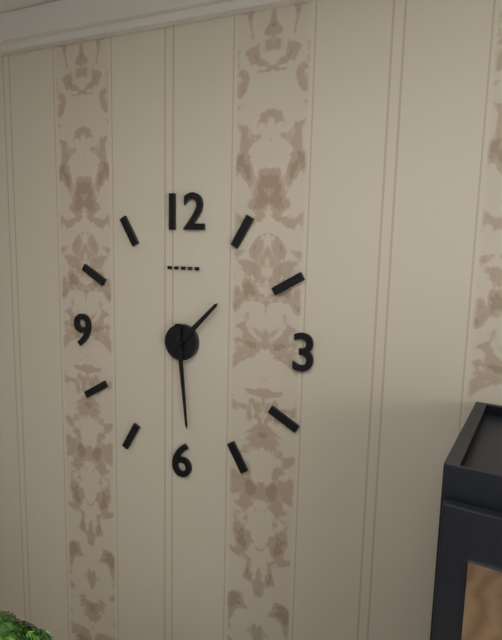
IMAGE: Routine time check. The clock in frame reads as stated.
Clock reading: 1:29
